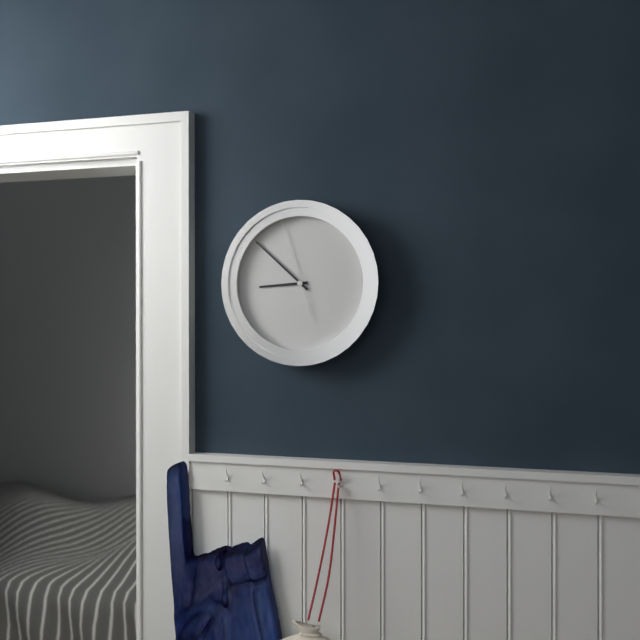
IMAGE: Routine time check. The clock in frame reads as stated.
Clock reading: 8:52:57
